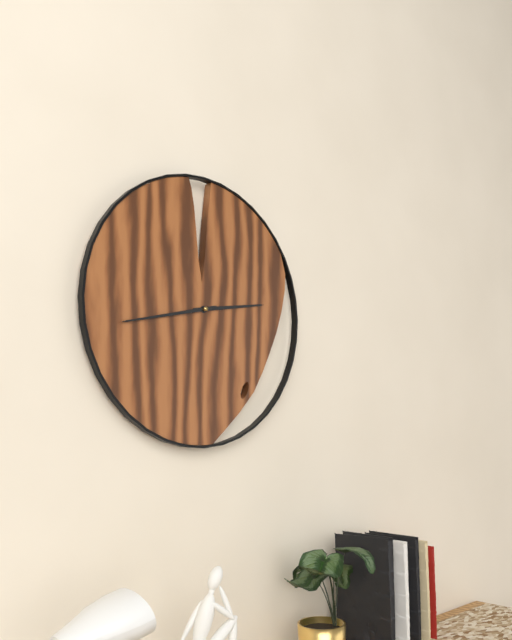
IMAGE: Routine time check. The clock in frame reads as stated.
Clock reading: 2:43
